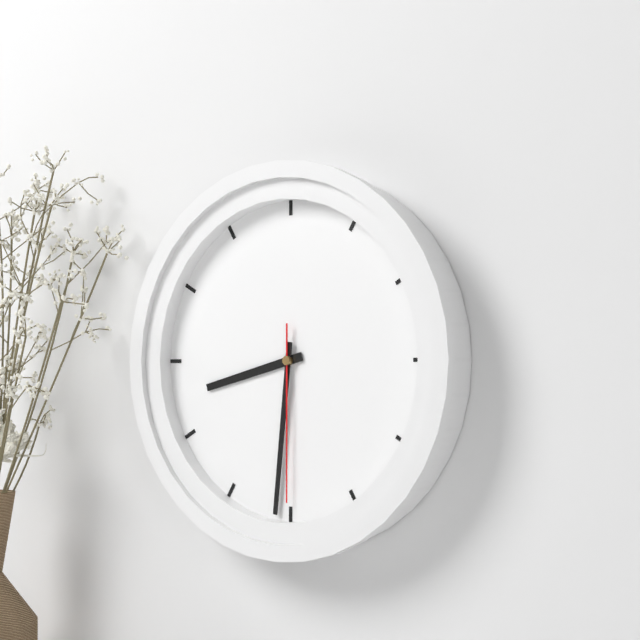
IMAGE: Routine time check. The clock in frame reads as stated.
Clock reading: 8:31:30
